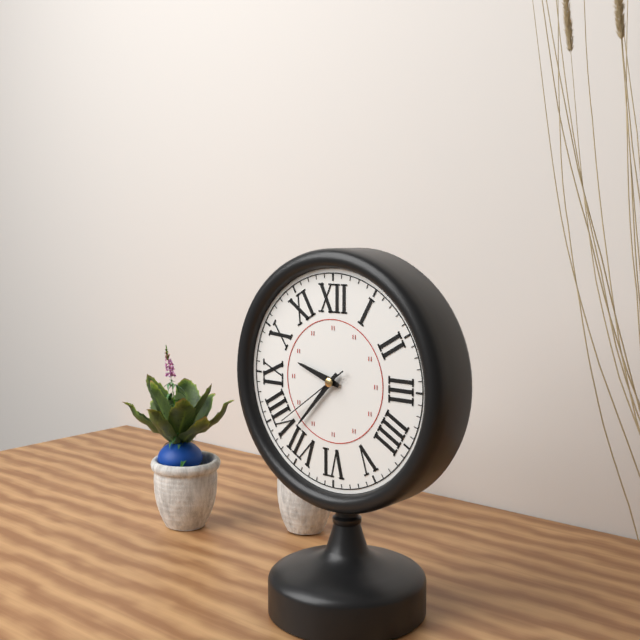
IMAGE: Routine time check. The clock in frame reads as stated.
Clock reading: 9:37:39
